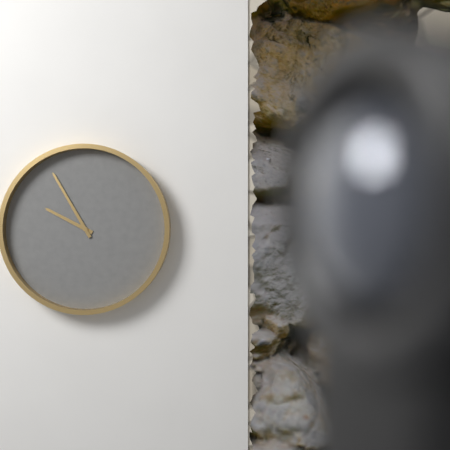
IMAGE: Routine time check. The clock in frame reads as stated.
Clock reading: 9:55
